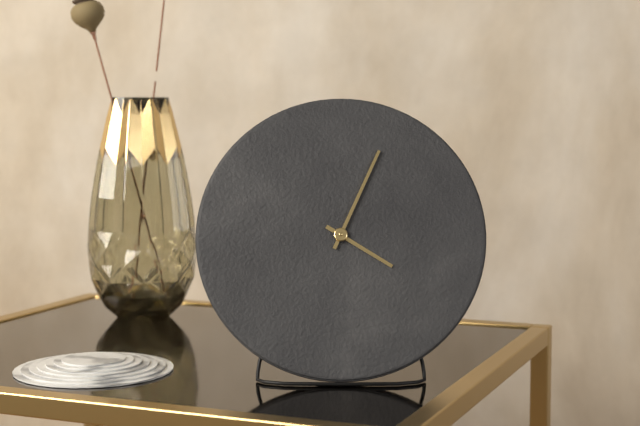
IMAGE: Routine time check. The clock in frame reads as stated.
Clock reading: 4:04
